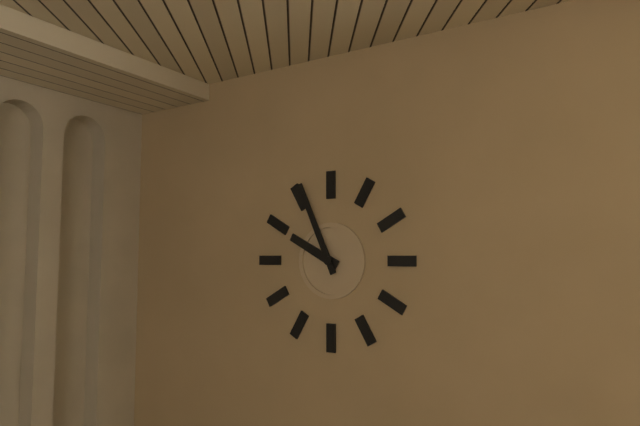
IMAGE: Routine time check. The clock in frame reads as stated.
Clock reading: 9:56
